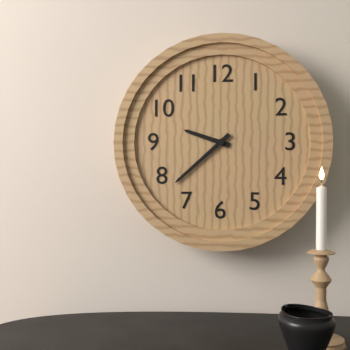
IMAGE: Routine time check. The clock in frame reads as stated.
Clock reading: 9:38
